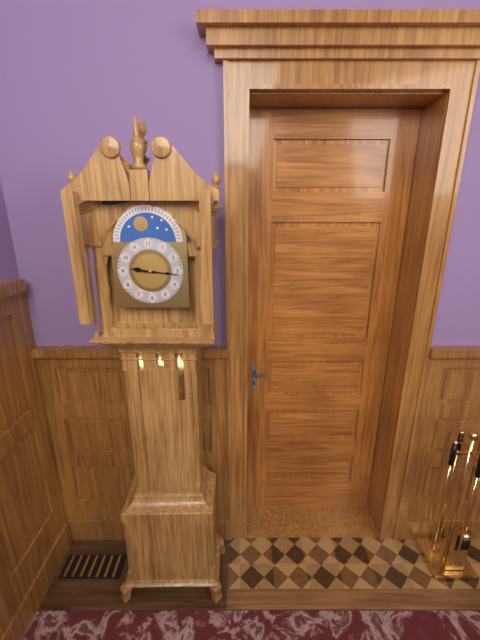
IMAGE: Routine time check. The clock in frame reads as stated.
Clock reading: 9:16
